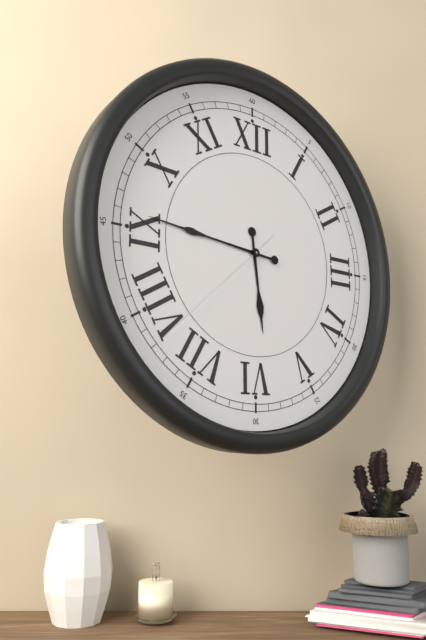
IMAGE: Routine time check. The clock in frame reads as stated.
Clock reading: 5:46:38
